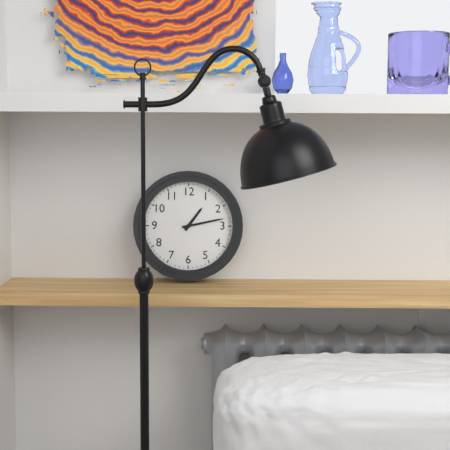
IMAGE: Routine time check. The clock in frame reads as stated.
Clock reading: 1:13
